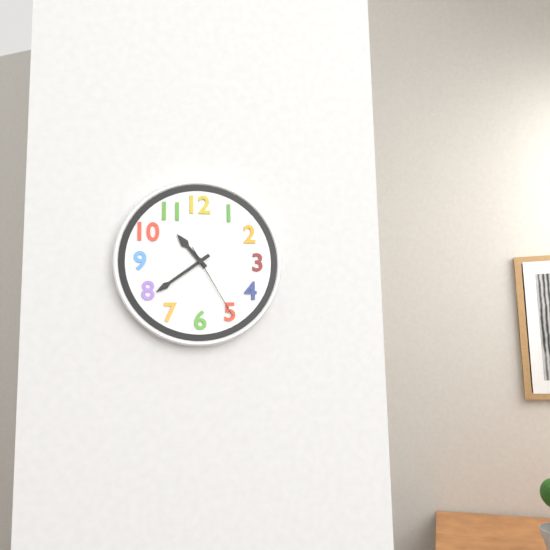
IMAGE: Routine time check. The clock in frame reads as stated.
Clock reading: 10:39:25
